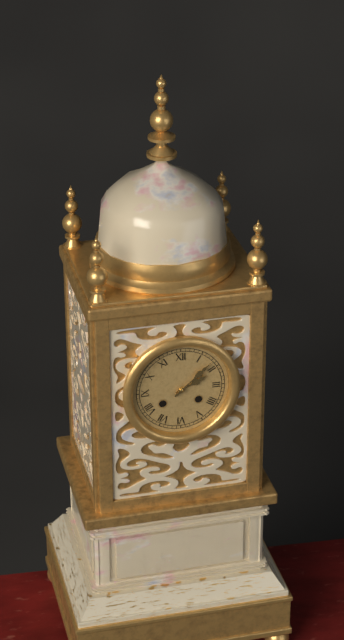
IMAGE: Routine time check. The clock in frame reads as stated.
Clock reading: 2:08
